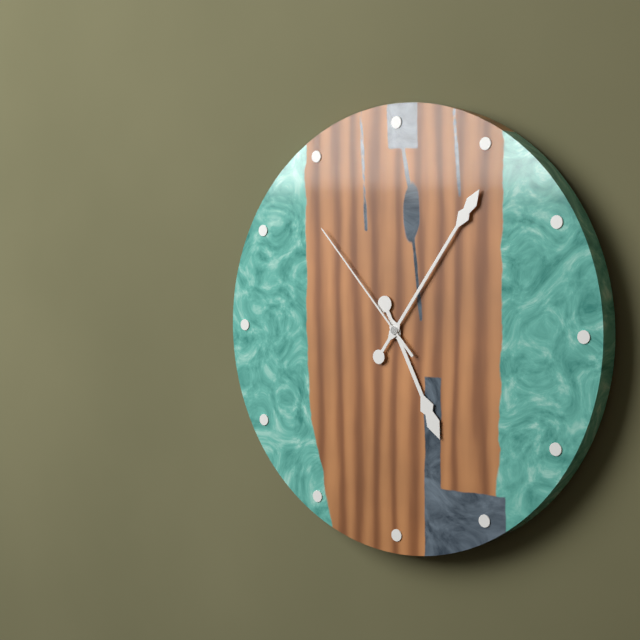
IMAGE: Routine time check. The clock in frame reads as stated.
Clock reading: 5:06:53
